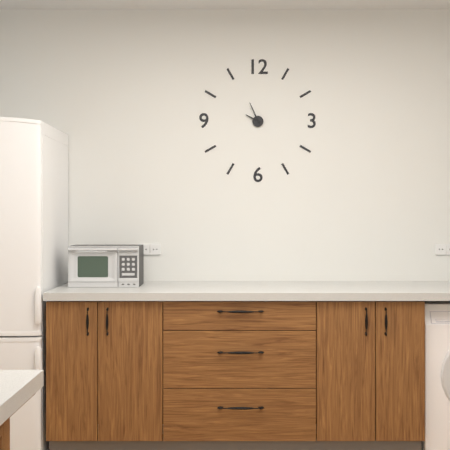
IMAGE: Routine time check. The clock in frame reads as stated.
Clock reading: 9:56
